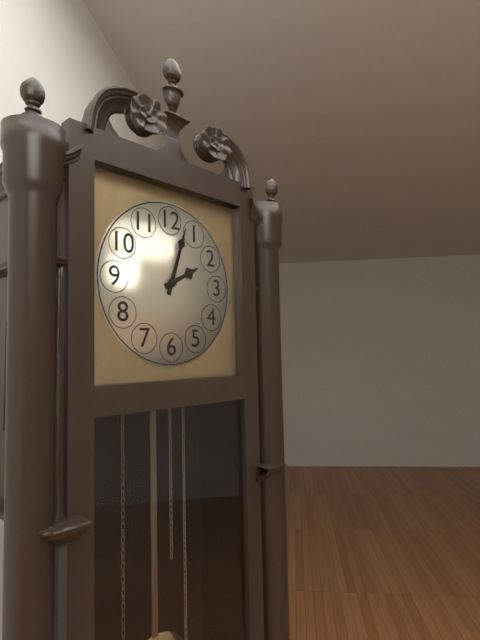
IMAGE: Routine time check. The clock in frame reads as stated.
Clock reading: 2:03
